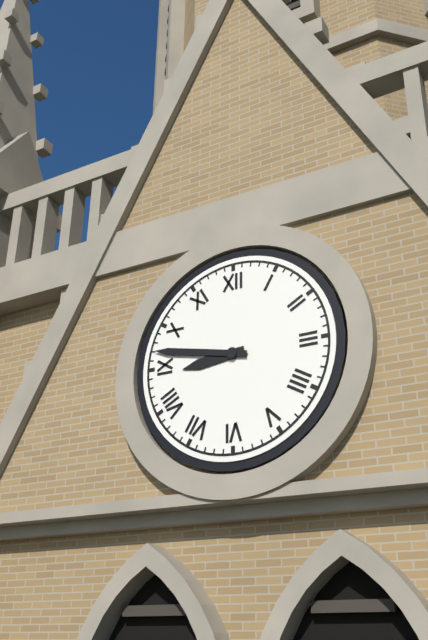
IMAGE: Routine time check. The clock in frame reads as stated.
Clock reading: 8:47
